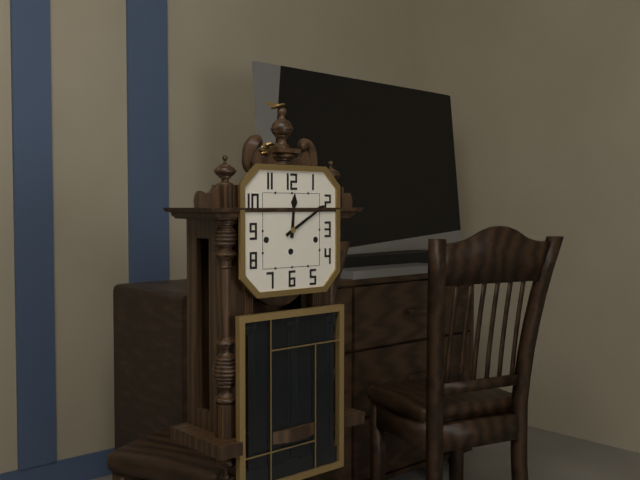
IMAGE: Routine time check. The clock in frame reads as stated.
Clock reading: 12:10
